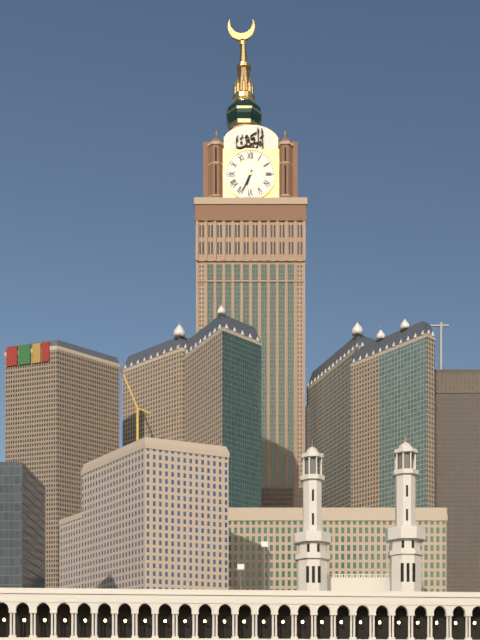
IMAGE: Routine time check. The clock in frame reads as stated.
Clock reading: 6:34
